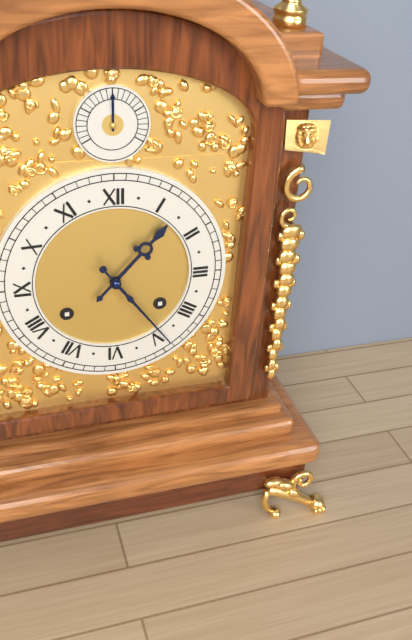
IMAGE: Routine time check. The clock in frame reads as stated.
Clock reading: 1:24
